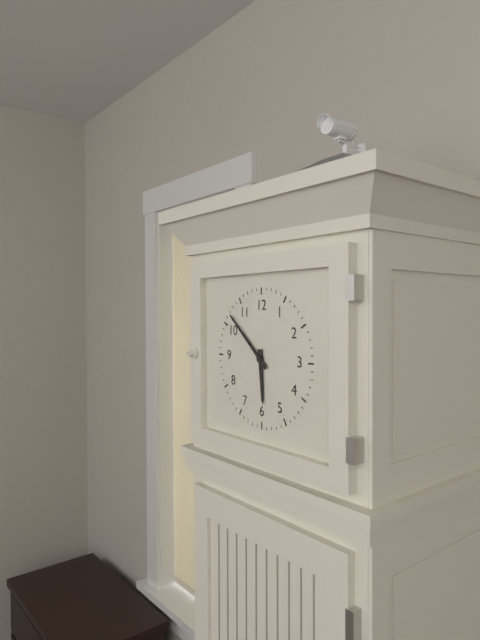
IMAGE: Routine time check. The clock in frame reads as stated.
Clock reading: 5:52
